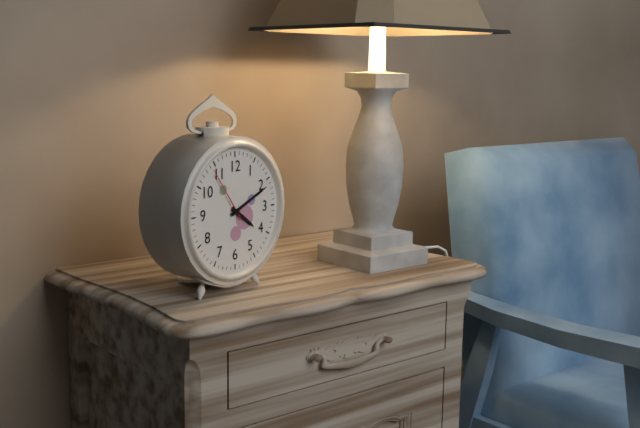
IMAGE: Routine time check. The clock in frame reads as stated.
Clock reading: 4:11:54
